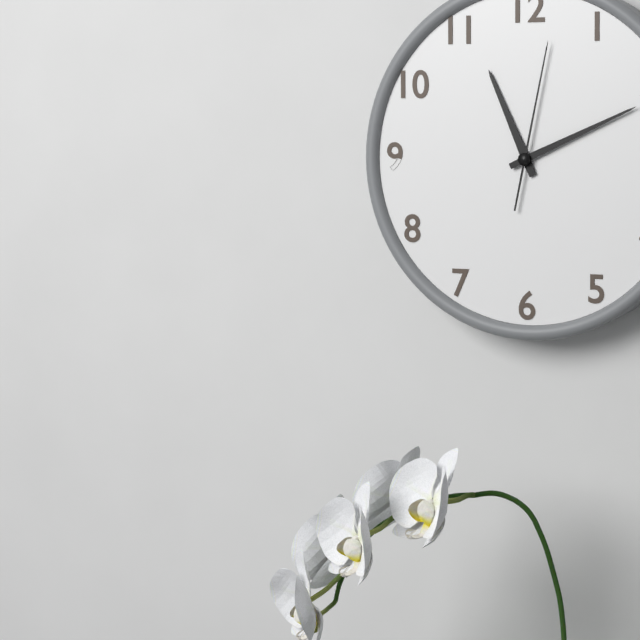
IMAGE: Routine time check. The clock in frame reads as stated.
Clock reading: 11:11:02
